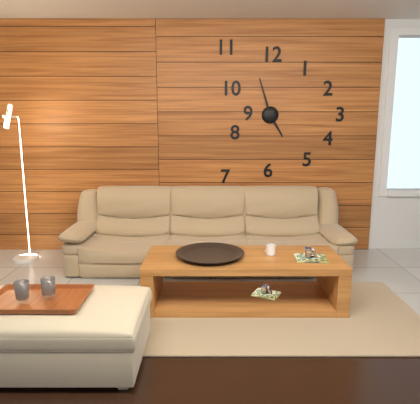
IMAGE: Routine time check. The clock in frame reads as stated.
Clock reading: 4:57
